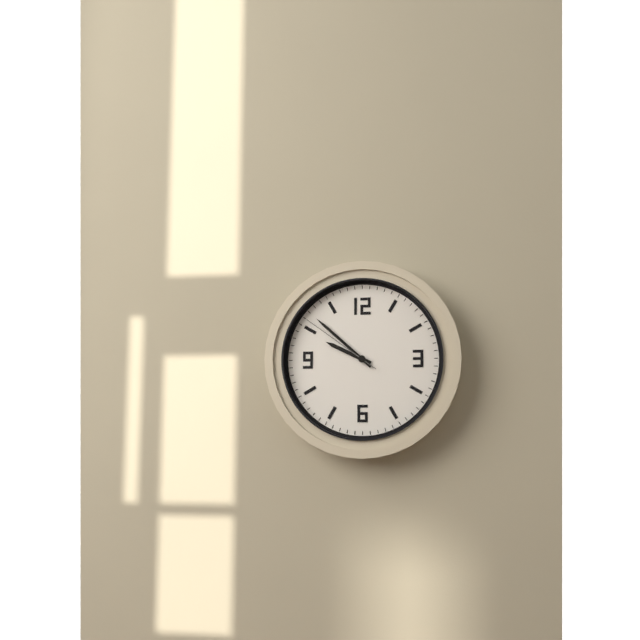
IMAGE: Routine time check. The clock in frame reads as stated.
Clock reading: 9:52:51
